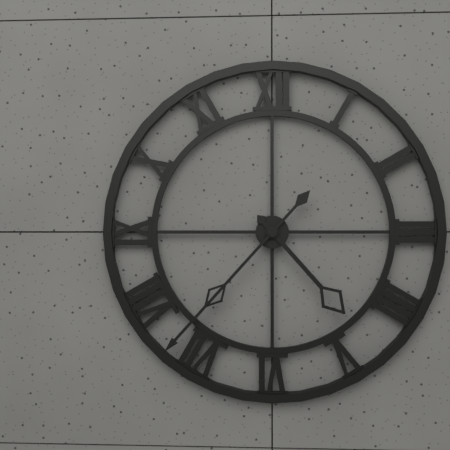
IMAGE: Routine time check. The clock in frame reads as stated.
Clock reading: 4:37
